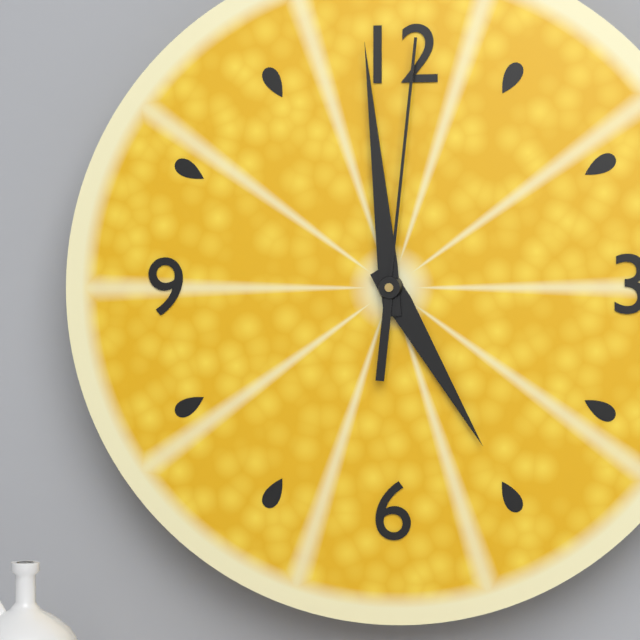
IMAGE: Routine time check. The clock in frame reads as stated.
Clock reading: 4:59:01
